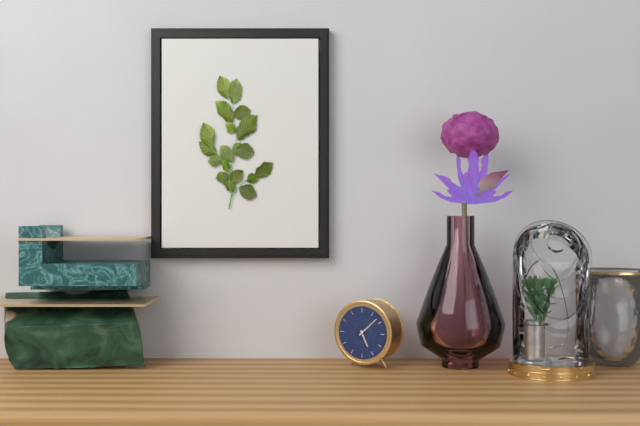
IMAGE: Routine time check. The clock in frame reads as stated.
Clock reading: 5:08
